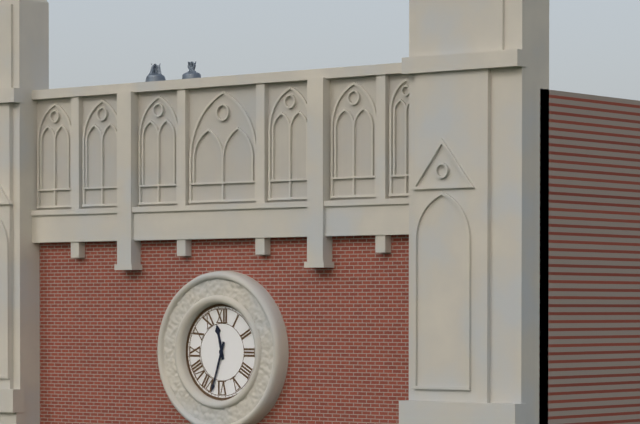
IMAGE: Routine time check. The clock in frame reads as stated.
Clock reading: 11:33
